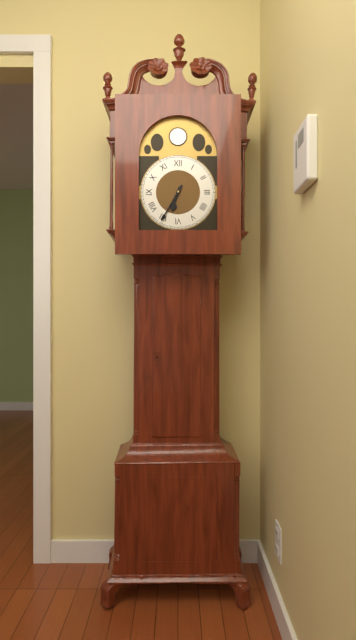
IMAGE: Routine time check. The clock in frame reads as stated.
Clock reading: 6:35
